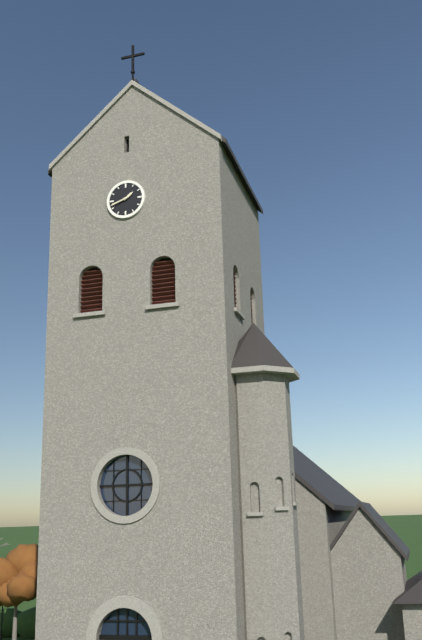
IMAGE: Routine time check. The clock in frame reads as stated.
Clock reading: 1:42
